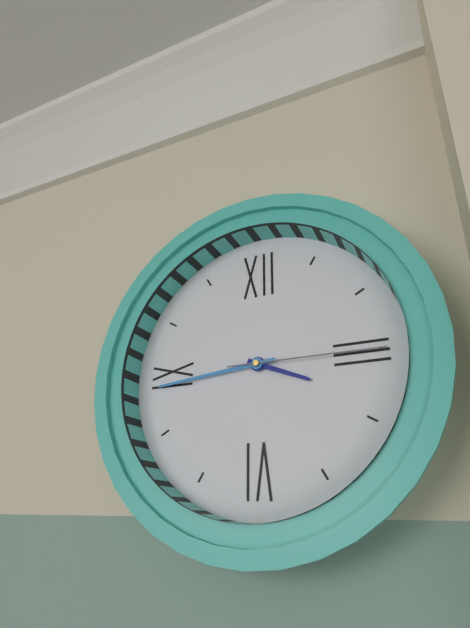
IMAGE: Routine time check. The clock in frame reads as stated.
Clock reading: 3:44:15
